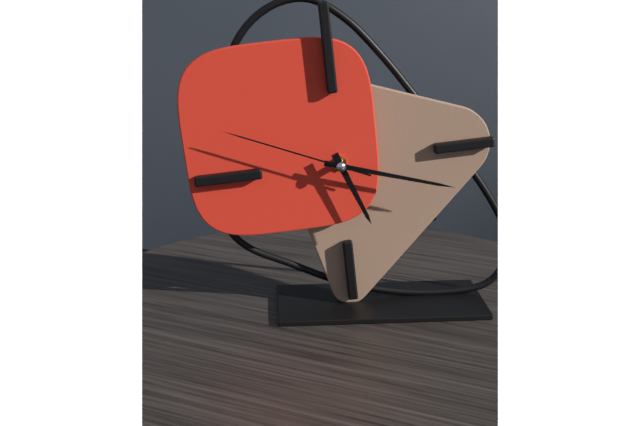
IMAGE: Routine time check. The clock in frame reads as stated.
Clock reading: 5:18:49
